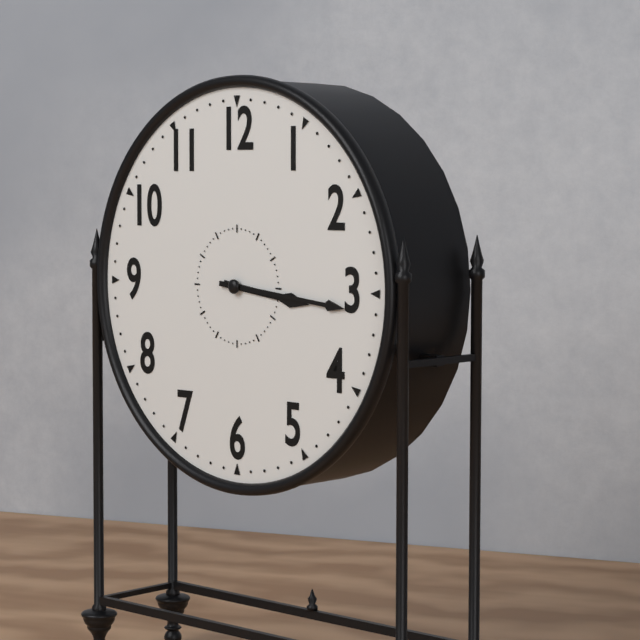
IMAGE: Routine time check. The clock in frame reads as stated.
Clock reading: 3:16
